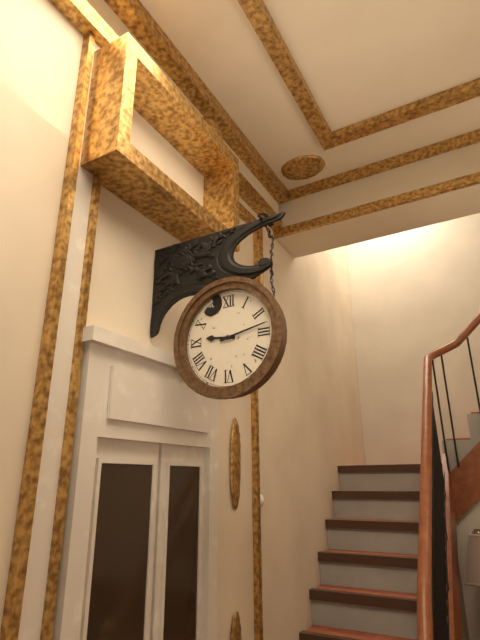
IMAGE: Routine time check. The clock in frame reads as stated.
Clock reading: 9:13
